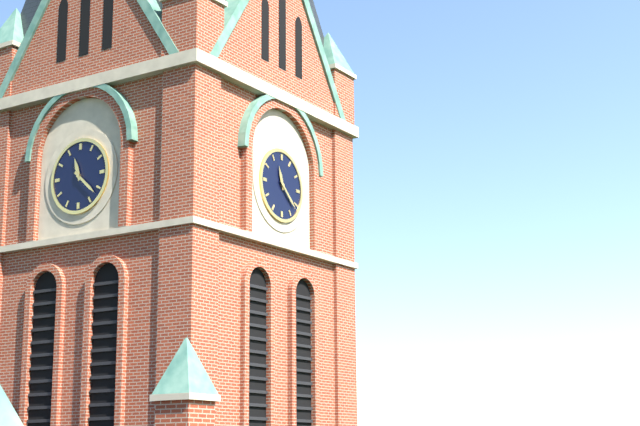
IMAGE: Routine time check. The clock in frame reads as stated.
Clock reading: 11:22
